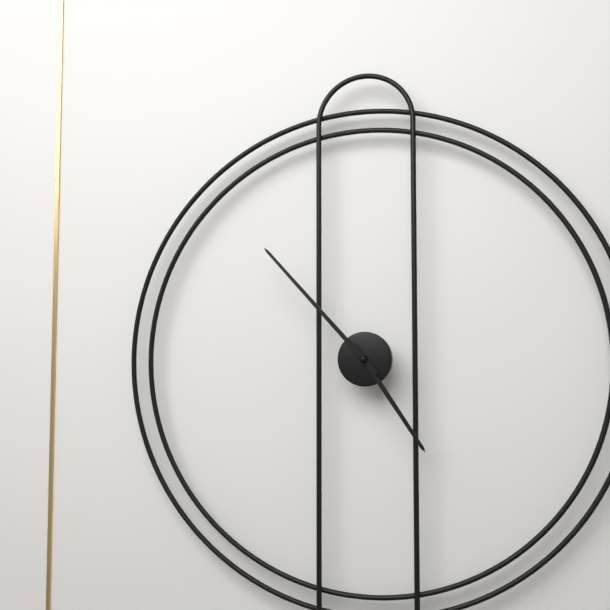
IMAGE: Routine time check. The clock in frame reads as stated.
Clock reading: 4:53
